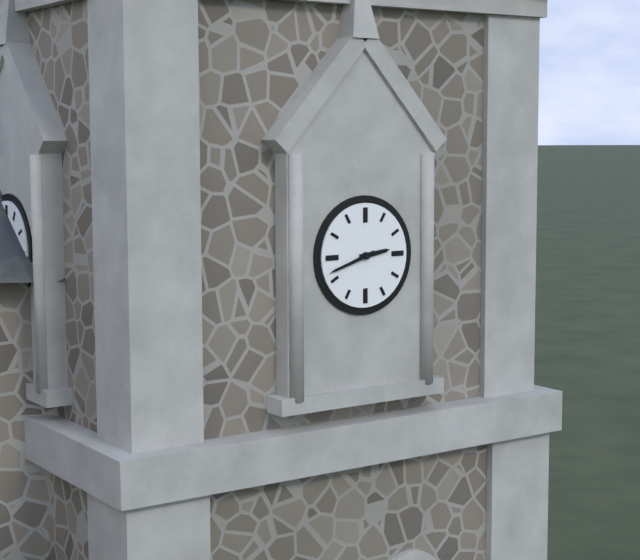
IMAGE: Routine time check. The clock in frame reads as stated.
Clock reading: 2:42
